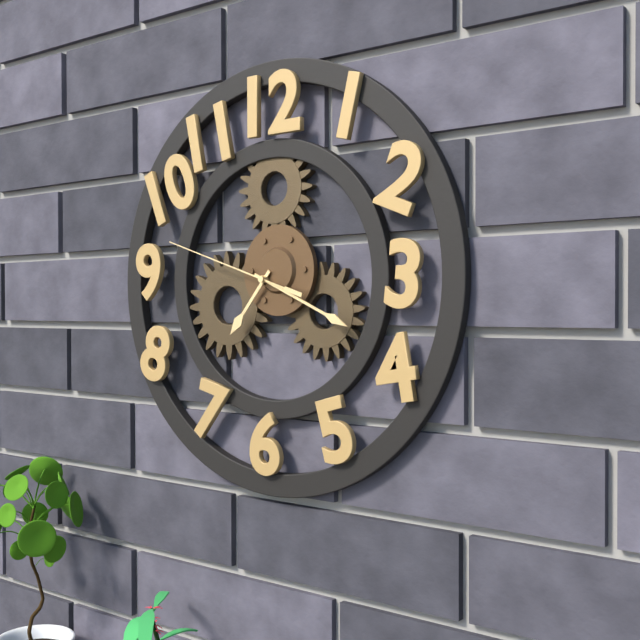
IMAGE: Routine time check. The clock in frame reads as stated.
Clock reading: 7:19:48
